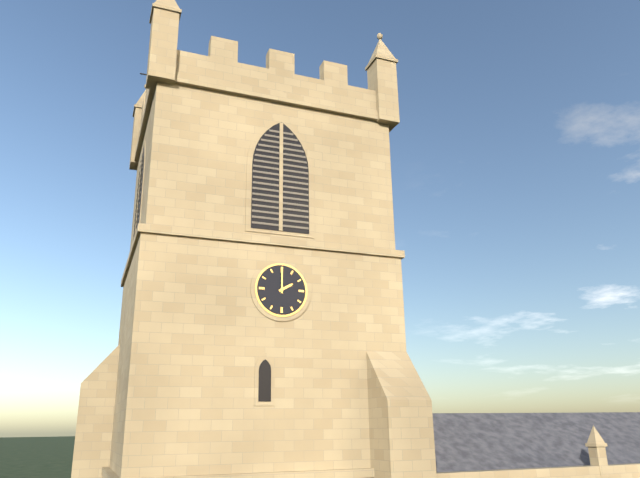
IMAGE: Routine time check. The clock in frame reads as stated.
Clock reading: 2:00
